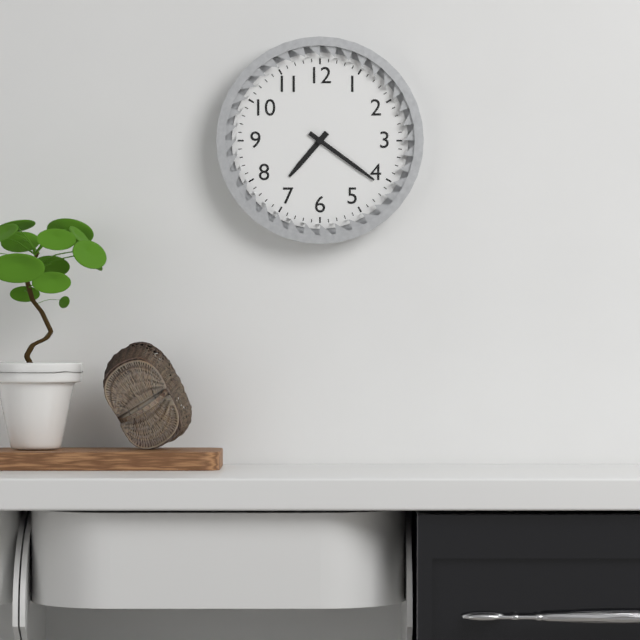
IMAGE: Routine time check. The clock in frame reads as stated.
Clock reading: 7:21
